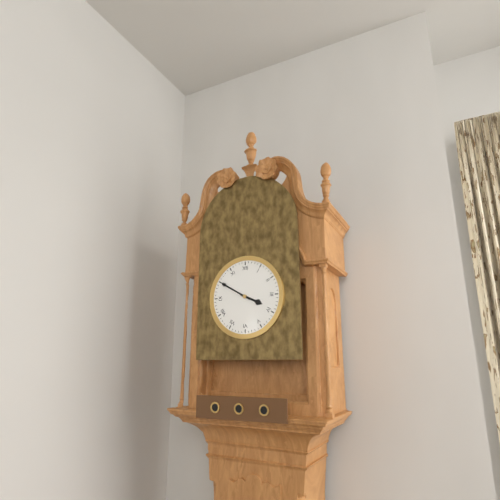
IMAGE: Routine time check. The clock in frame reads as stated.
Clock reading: 3:50
